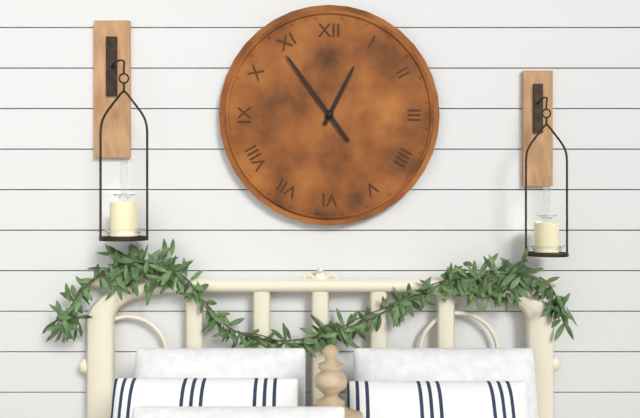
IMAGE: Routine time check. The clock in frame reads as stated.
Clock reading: 12:54
